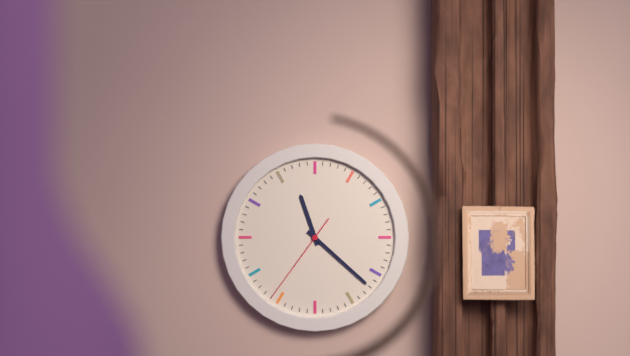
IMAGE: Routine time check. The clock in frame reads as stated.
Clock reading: 11:22:36
